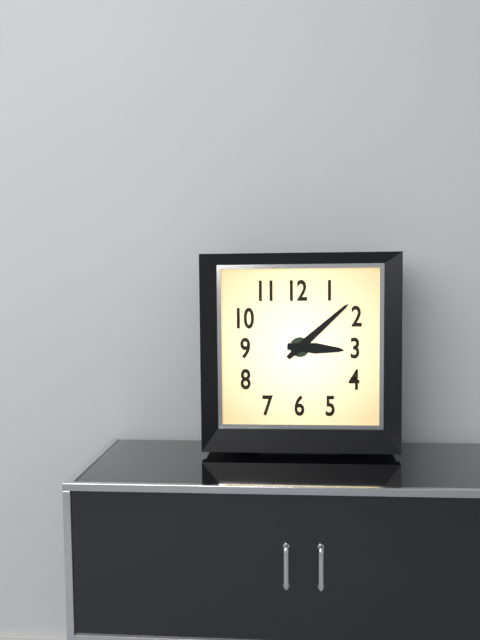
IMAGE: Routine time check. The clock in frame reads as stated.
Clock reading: 3:08
